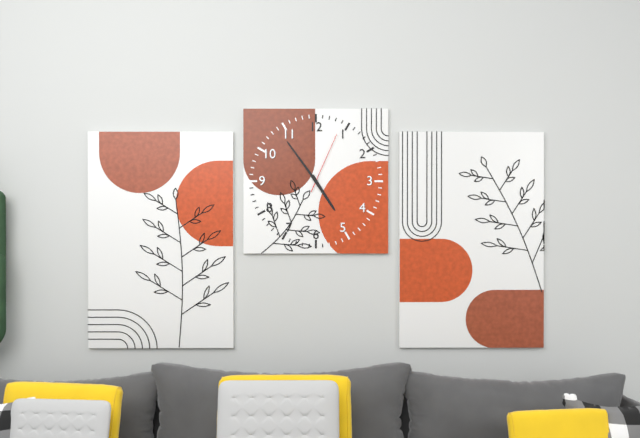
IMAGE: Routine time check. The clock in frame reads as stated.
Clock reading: 4:54:04
